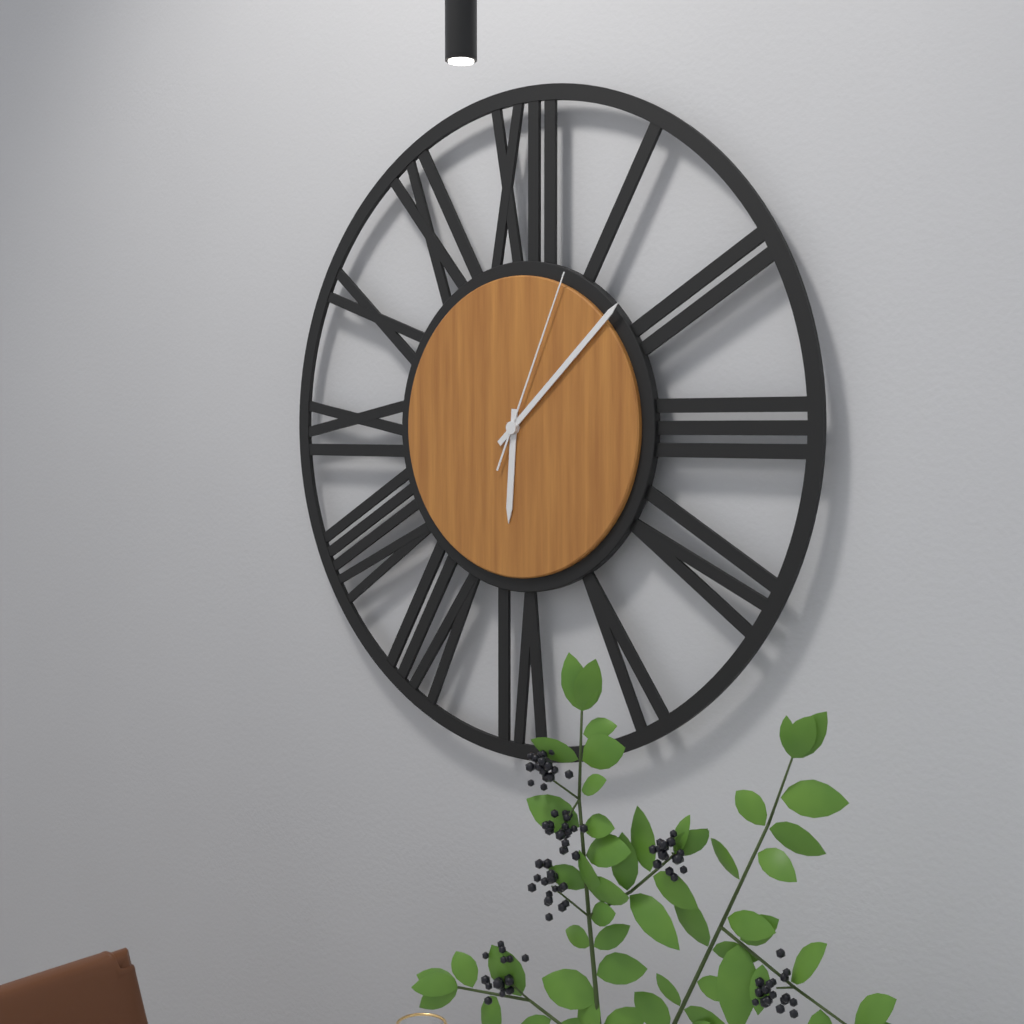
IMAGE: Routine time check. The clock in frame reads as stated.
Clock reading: 6:08:04
